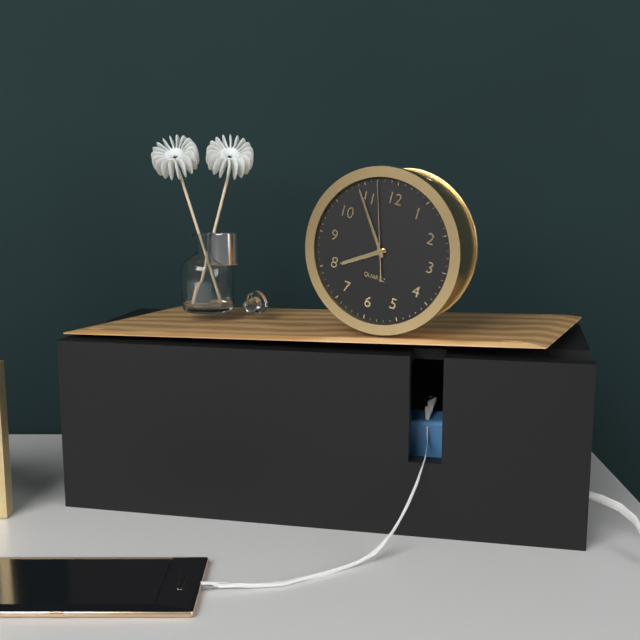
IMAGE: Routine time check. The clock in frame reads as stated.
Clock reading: 7:54:57
